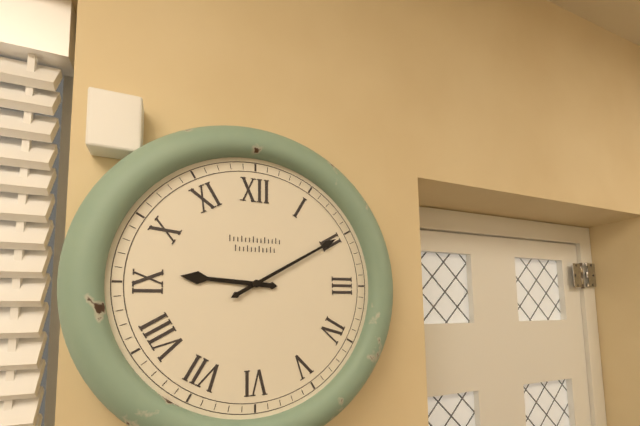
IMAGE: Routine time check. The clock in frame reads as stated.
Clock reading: 9:10
